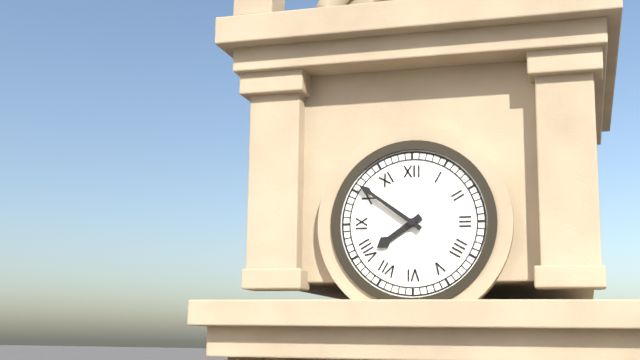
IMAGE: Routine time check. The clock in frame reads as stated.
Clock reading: 7:51
